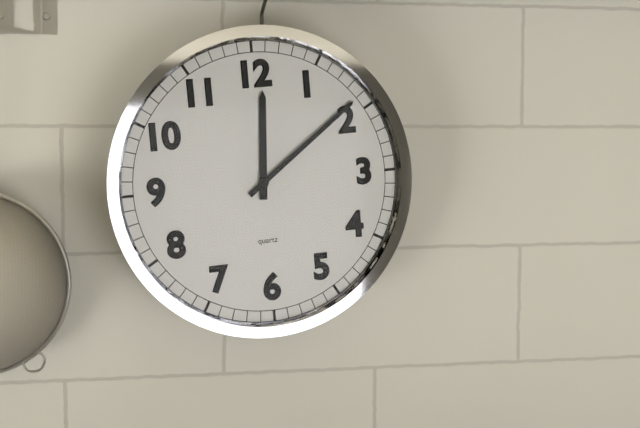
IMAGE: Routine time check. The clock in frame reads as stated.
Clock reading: 12:09
